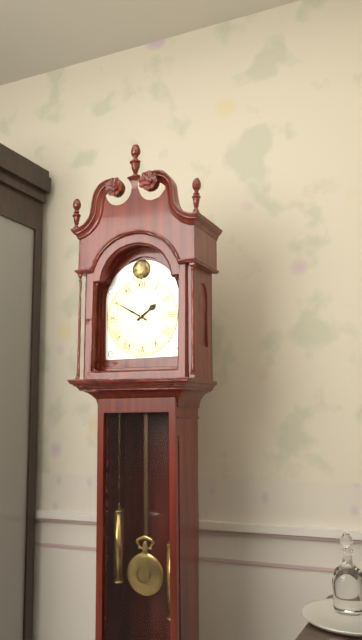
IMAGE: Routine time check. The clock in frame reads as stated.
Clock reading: 1:50
